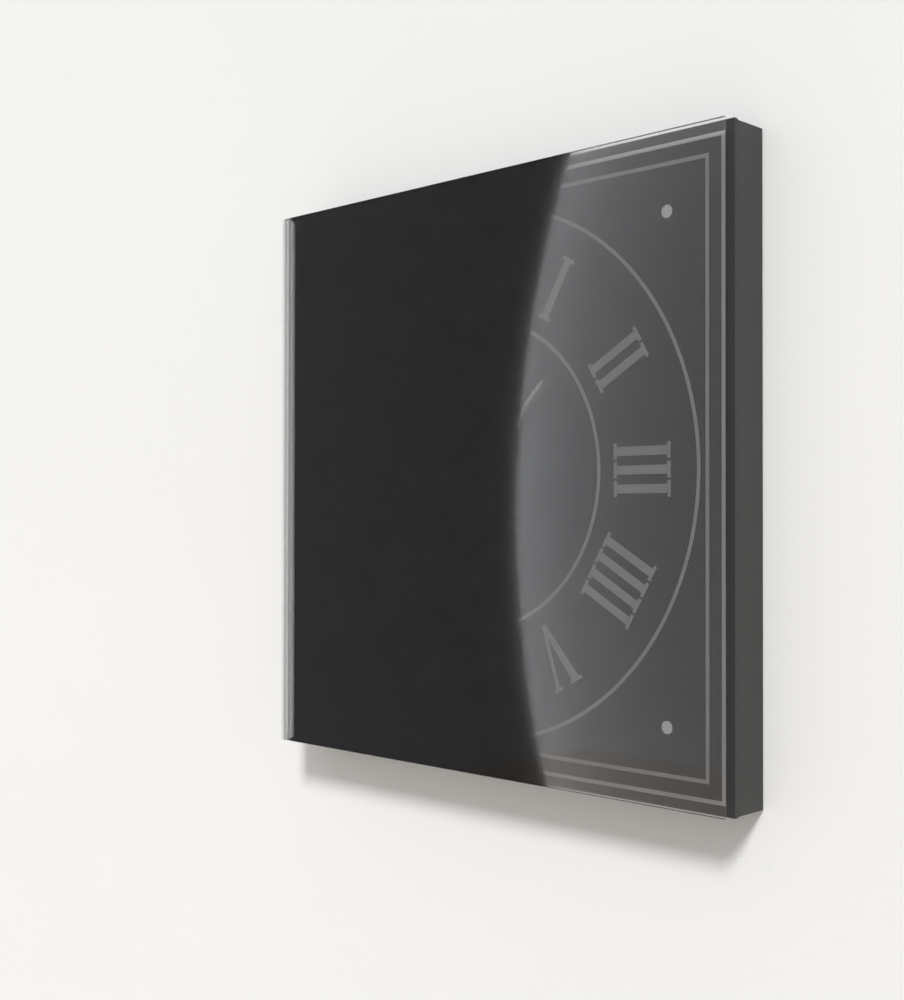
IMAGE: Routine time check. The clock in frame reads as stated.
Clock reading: 1:30
